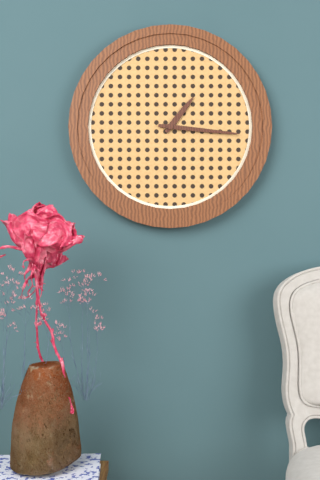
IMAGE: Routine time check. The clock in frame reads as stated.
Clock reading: 1:16
